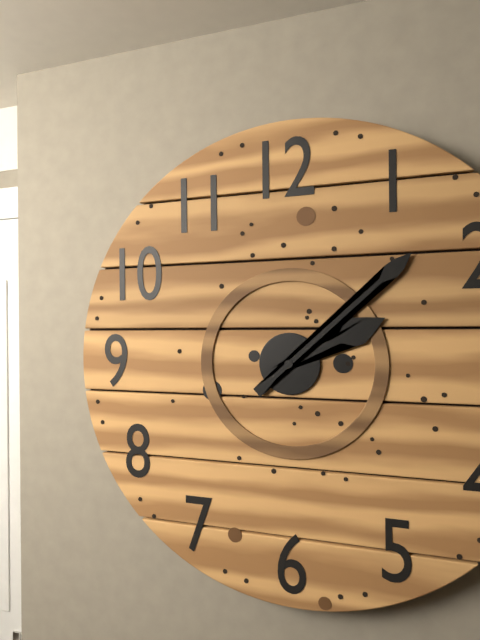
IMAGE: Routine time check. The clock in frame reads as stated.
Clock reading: 2:08
